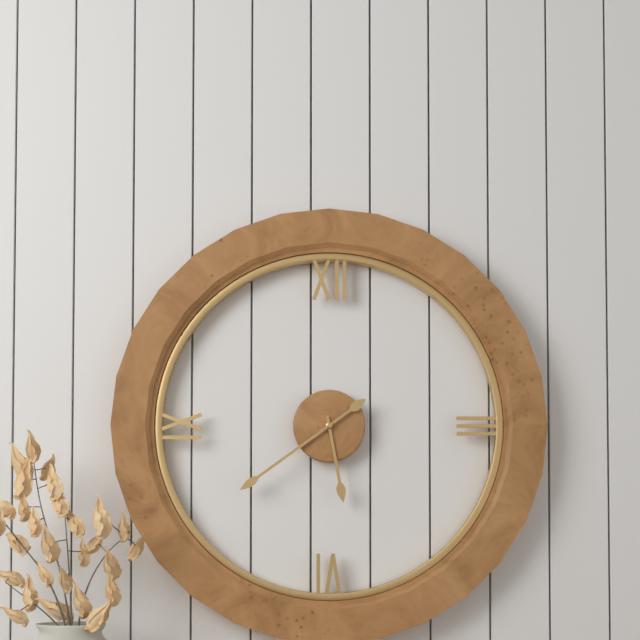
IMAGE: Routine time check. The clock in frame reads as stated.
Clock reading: 5:39
